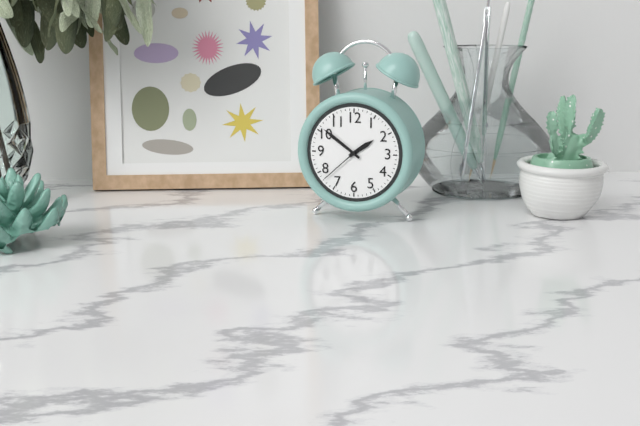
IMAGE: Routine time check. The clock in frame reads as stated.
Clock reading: 1:51
